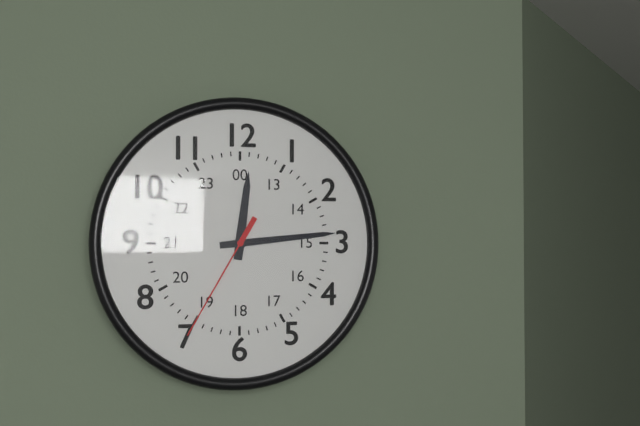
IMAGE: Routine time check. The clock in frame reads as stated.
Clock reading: 12:14:35
